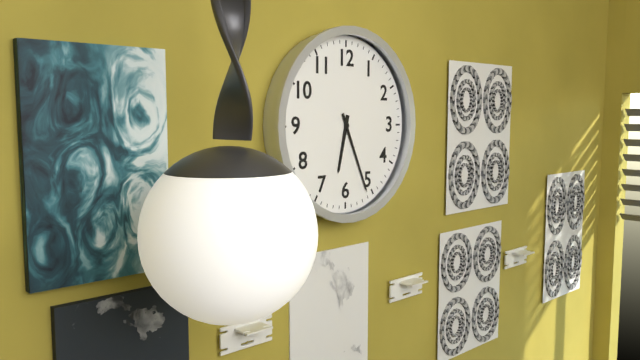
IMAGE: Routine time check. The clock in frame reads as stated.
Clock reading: 6:26
